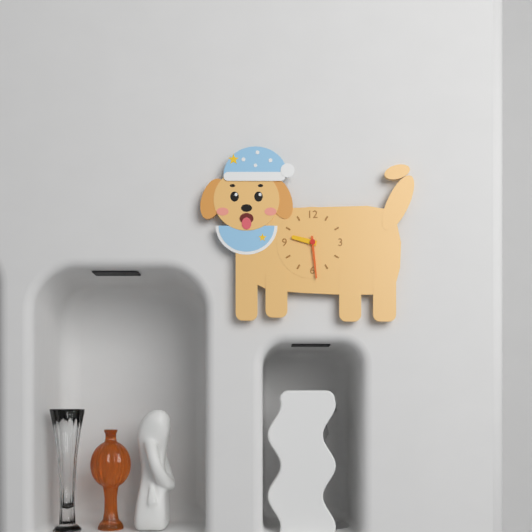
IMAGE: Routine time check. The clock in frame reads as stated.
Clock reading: 9:29
